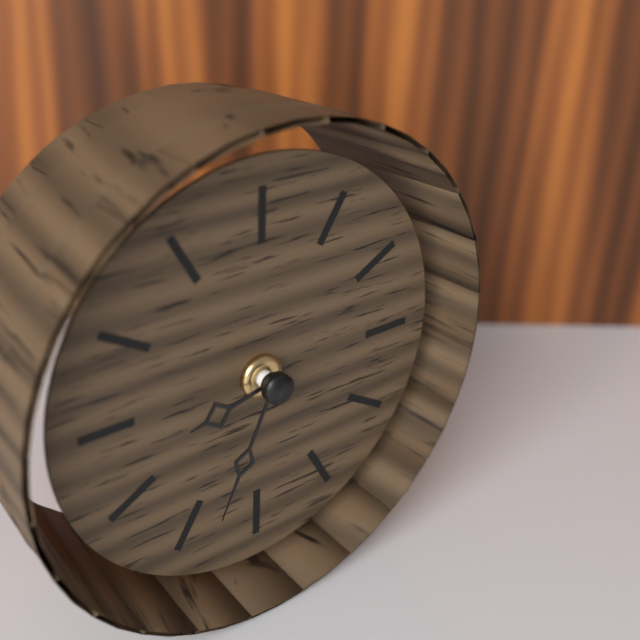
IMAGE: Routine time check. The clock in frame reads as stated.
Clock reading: 8:34
